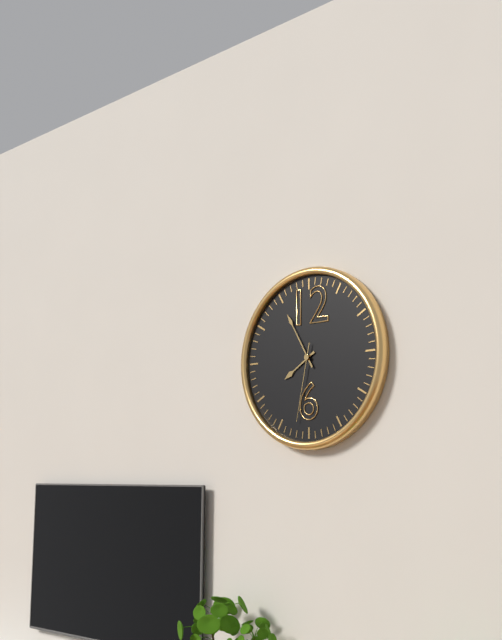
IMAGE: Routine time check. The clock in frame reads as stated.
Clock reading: 7:55:32
